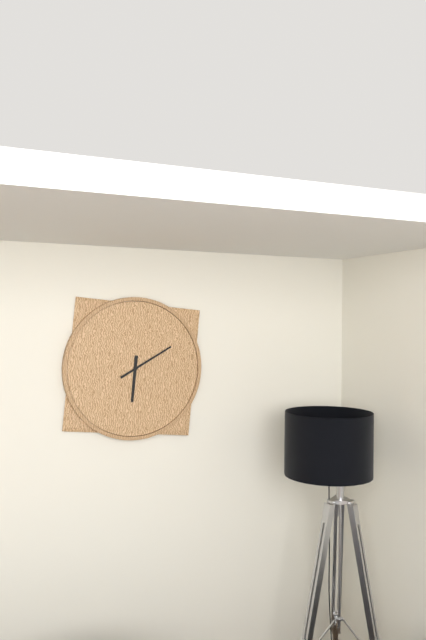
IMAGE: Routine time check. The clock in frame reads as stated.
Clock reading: 6:10
